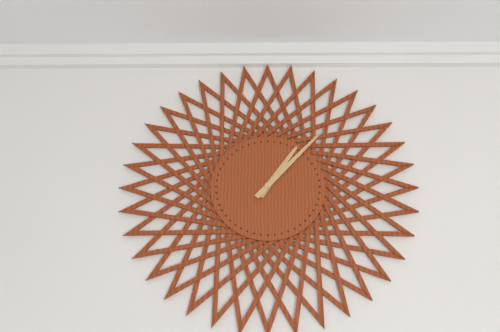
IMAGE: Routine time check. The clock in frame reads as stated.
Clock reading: 1:07
